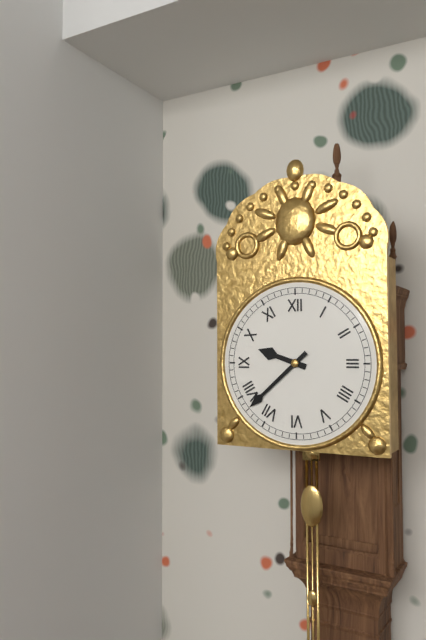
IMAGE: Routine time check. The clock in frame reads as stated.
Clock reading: 9:38
